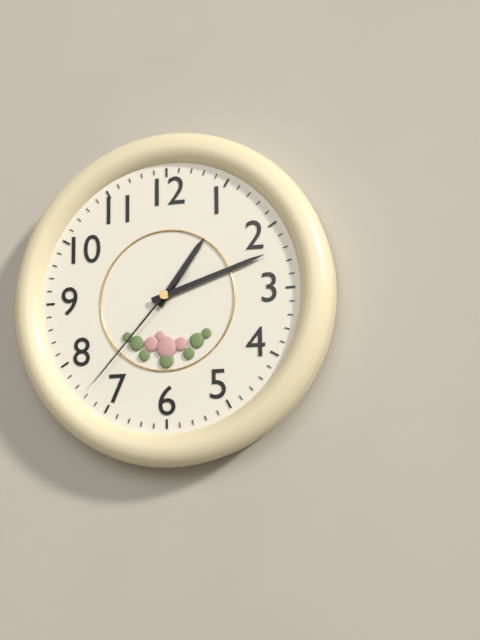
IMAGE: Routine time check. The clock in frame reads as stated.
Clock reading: 1:12:37
